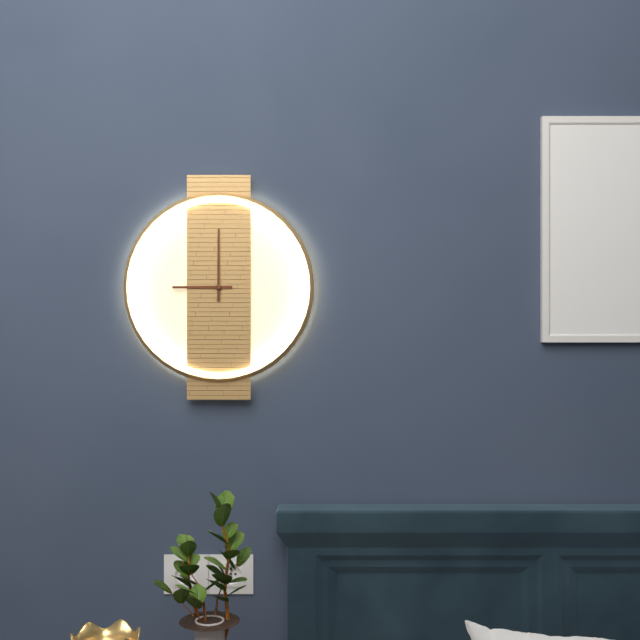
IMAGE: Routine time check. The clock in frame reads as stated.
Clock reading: 9:00
